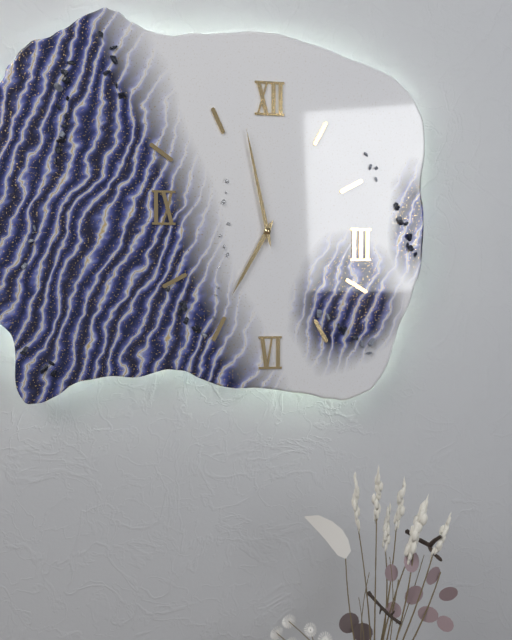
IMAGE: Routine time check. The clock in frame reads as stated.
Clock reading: 6:58
